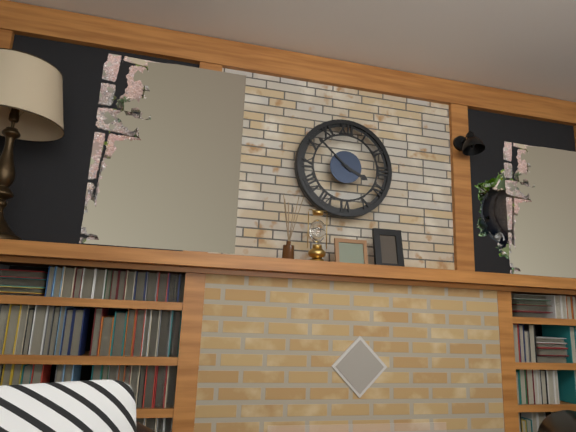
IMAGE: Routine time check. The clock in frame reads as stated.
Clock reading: 3:52
